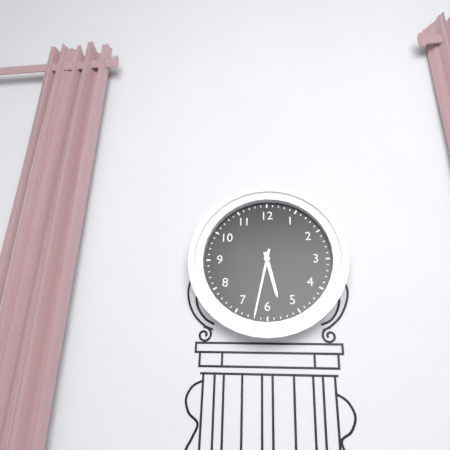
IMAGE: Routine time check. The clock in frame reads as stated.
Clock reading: 5:32
